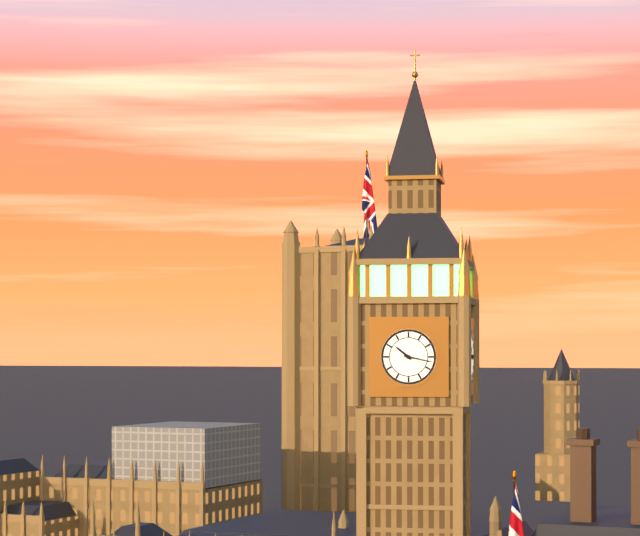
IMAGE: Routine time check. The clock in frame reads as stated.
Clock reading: 10:17
